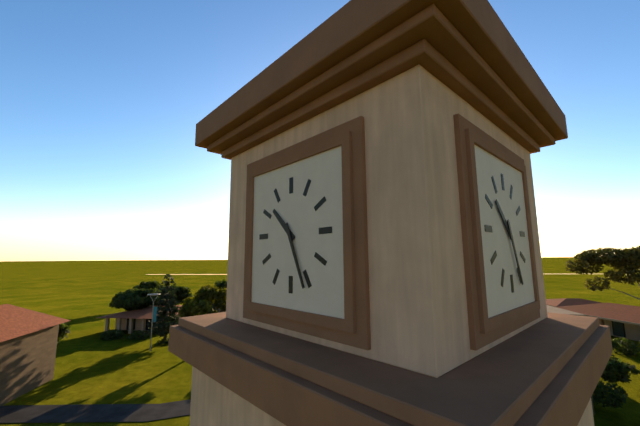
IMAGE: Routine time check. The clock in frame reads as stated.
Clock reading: 10:26
